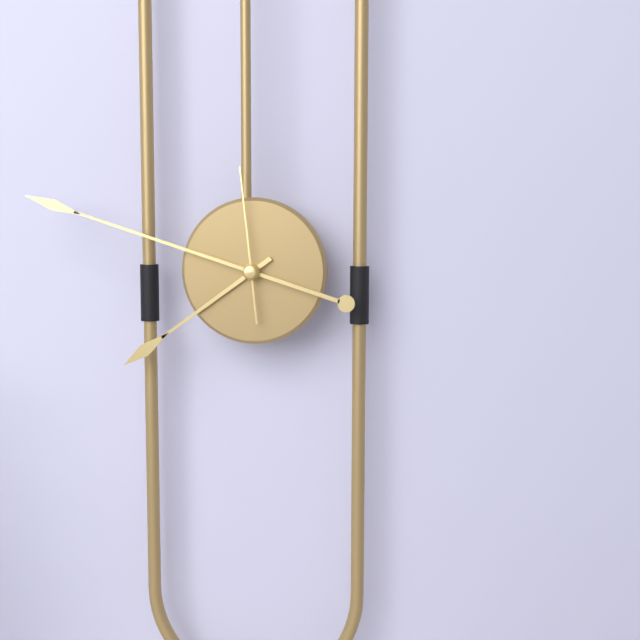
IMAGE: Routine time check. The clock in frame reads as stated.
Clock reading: 7:48:59
